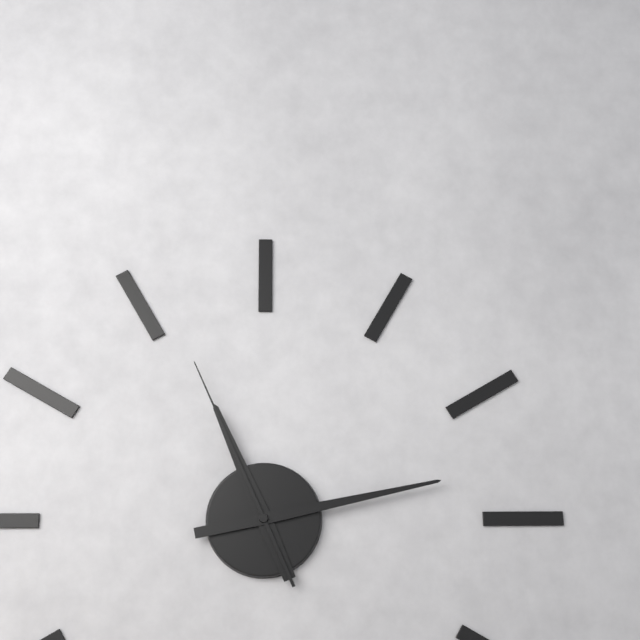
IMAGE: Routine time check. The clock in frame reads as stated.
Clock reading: 11:13:56
